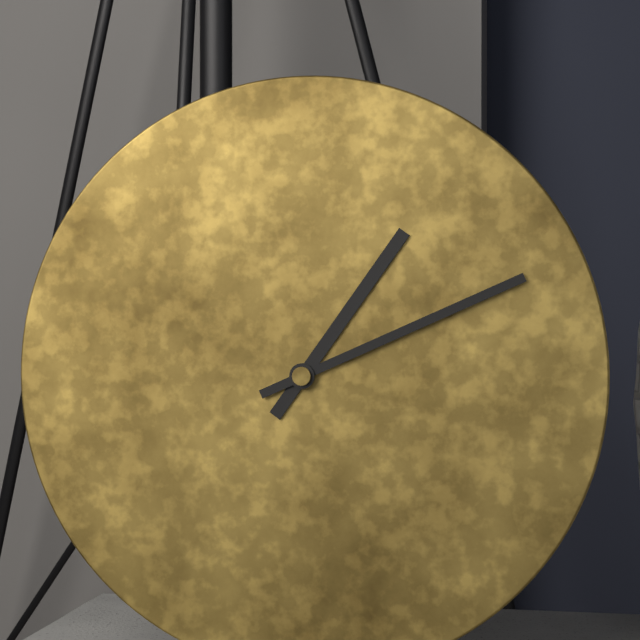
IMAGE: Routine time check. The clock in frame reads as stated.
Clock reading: 1:11
